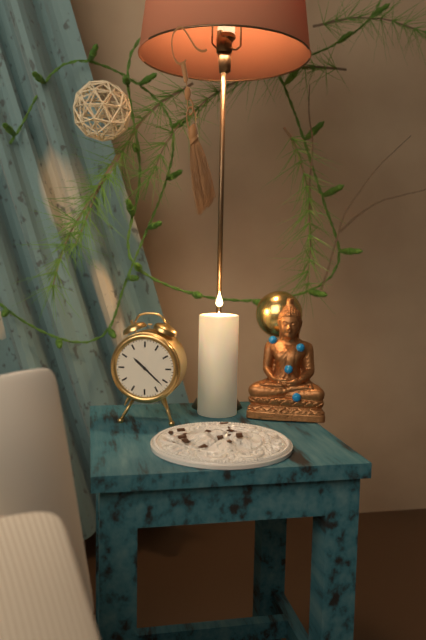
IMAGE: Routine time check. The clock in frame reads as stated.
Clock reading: 10:22
